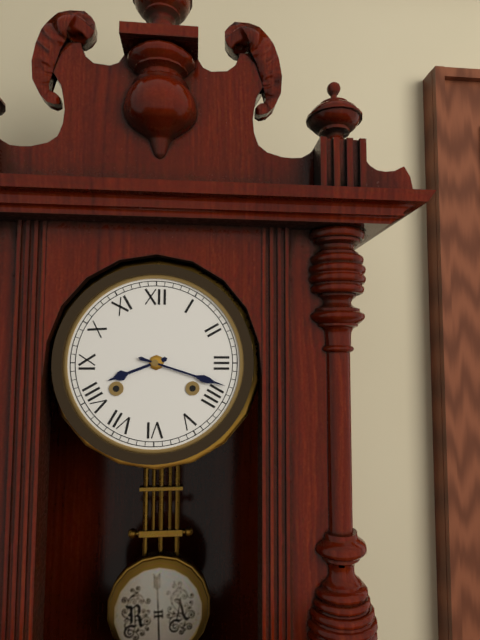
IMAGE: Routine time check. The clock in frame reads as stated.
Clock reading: 8:18
